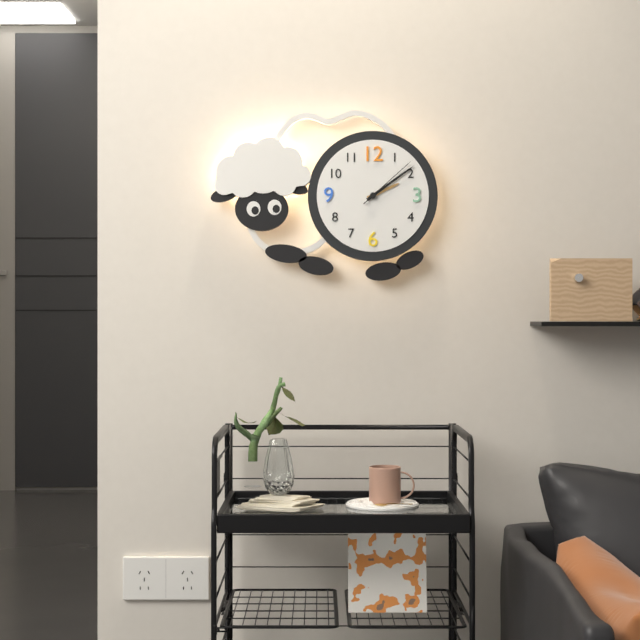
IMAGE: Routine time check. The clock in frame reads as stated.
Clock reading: 2:09:08
